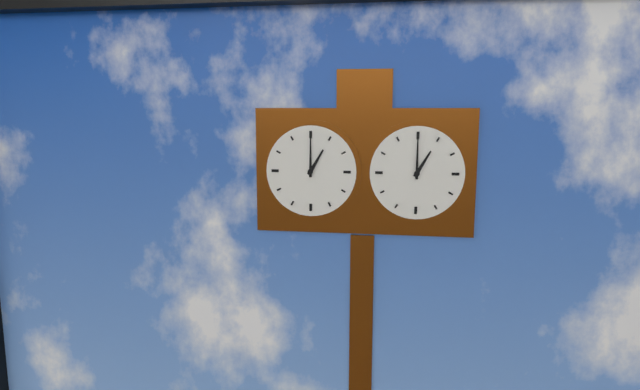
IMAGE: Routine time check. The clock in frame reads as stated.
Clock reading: 1:00
